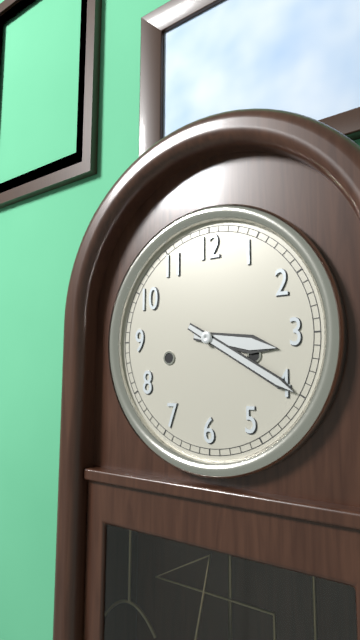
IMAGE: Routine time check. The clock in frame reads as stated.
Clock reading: 3:20
